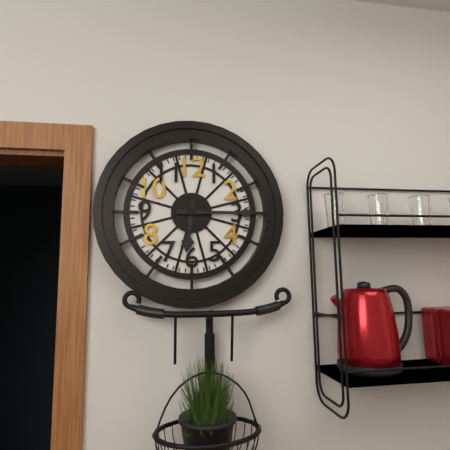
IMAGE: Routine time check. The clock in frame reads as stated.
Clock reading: 6:15
